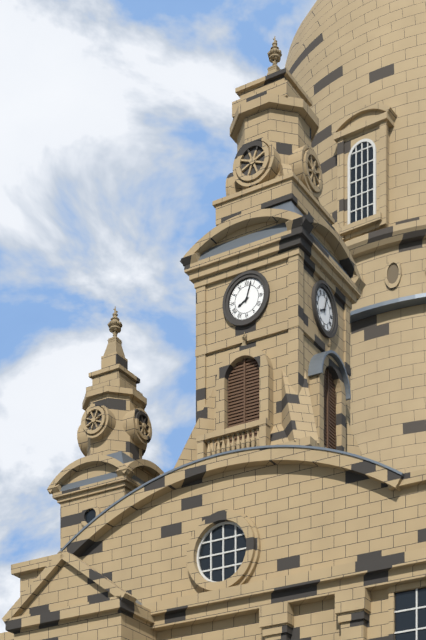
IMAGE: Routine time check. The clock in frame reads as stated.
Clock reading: 8:03
